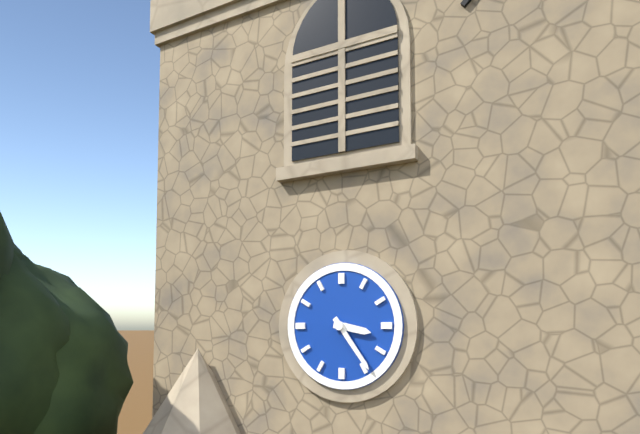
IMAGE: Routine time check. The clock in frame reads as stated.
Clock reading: 3:24
